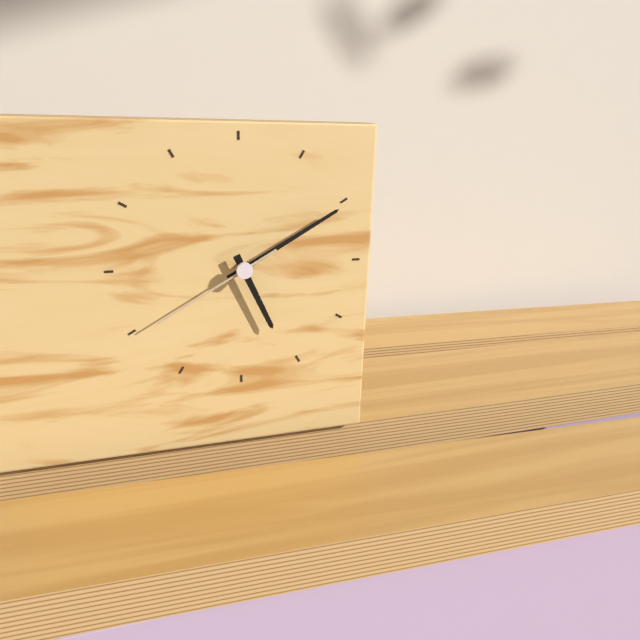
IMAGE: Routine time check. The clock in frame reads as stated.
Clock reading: 5:10:40
